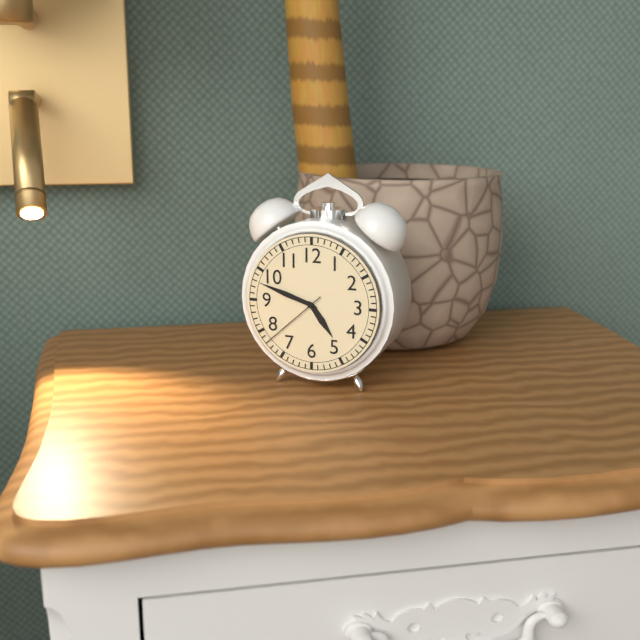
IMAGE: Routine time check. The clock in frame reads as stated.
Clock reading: 4:48:38
